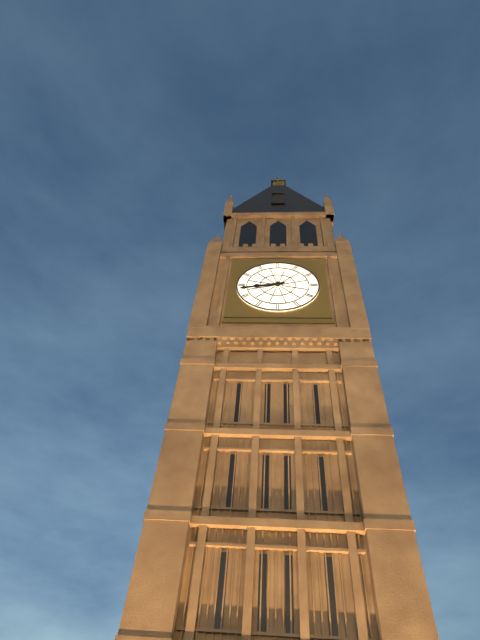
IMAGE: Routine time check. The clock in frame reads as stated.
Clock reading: 8:43
